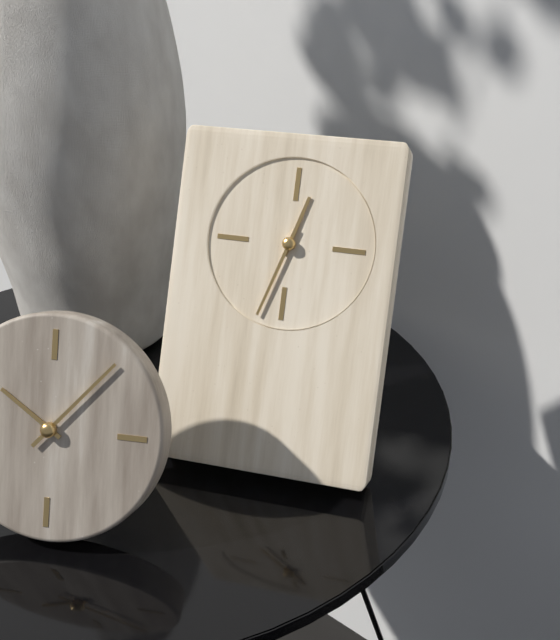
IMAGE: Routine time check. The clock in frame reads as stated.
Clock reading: 12:33
